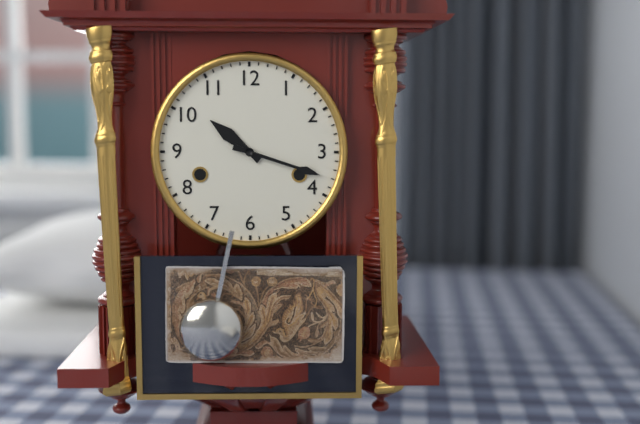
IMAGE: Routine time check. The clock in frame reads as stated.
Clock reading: 10:18
